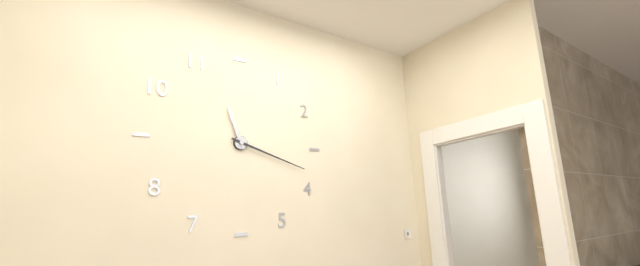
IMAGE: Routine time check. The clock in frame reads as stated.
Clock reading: 11:18
